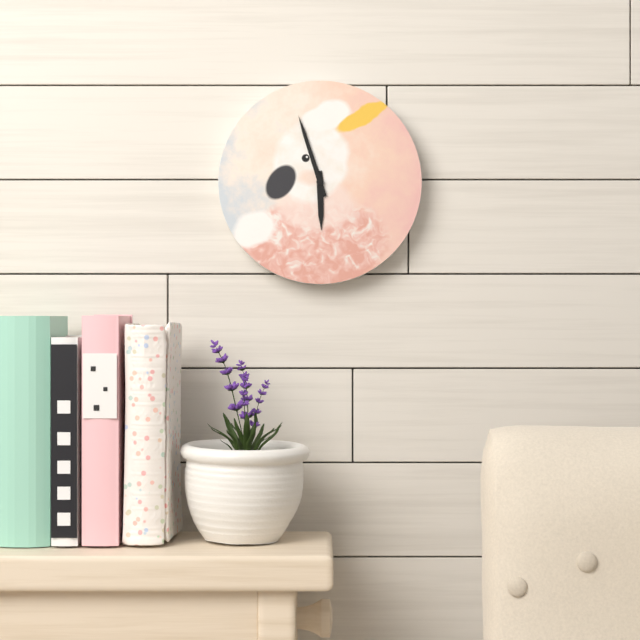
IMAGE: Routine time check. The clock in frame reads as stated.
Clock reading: 5:57
